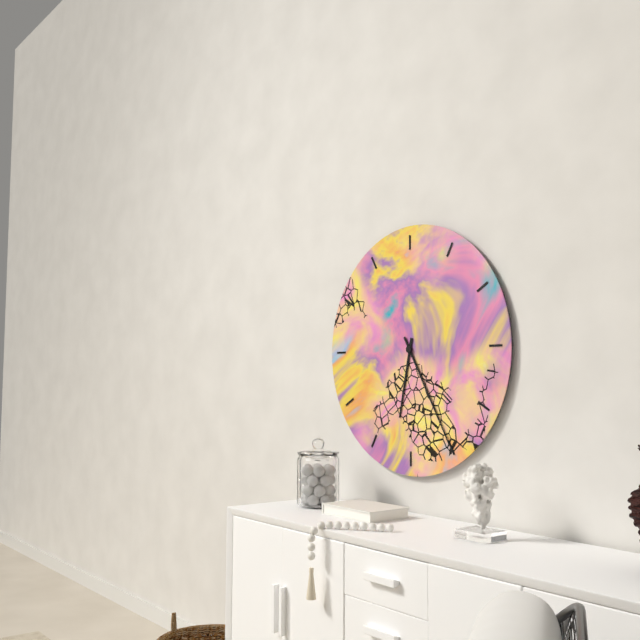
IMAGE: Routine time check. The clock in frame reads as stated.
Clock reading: 6:25
